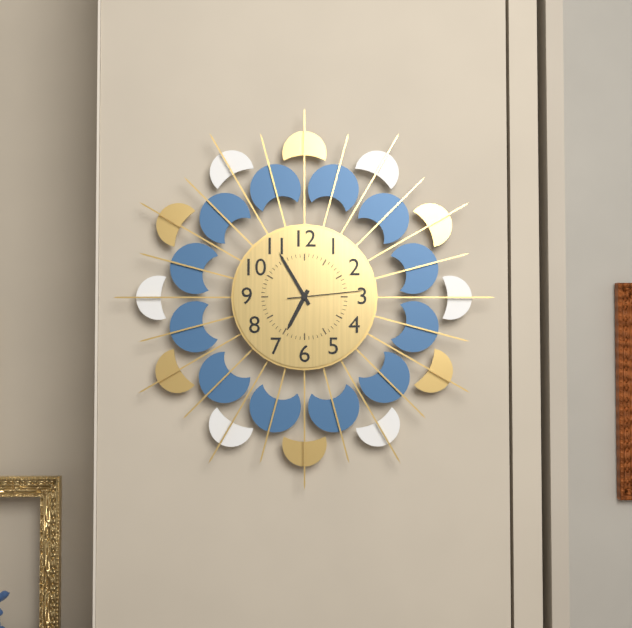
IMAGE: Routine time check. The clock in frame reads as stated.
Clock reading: 6:55:14
